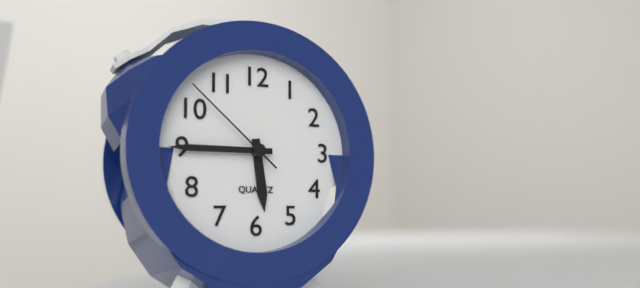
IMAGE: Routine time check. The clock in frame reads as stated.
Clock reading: 5:45:52
